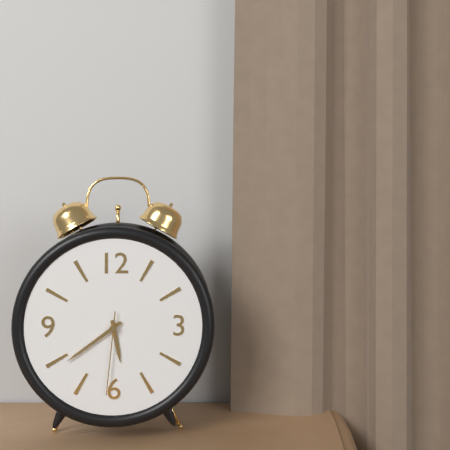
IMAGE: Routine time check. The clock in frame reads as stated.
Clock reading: 5:39:31
